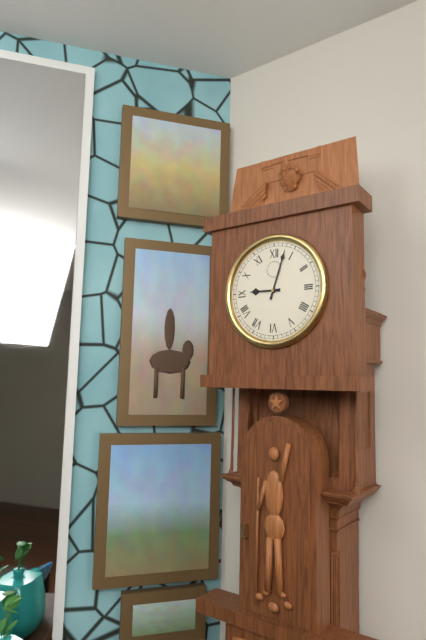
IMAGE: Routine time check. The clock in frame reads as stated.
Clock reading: 9:03
